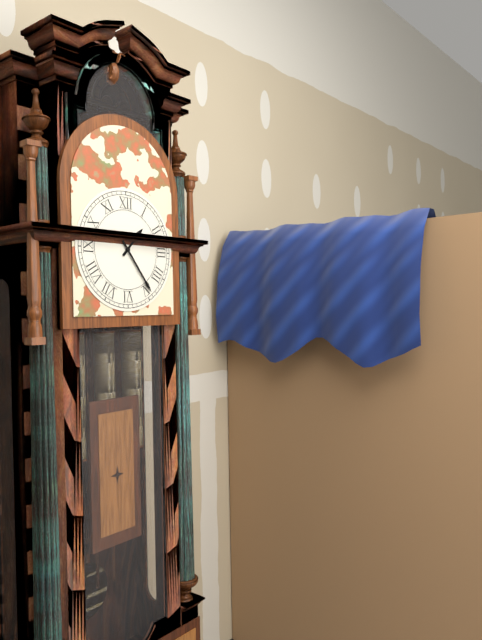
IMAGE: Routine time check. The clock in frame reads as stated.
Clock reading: 1:24
